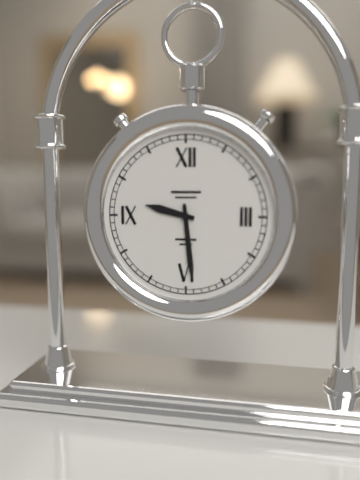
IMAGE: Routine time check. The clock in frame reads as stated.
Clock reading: 9:29
